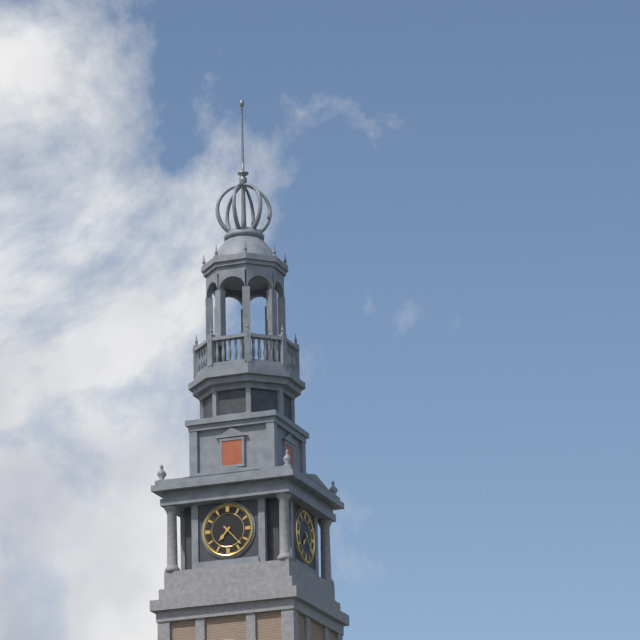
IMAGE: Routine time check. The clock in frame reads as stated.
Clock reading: 7:23
